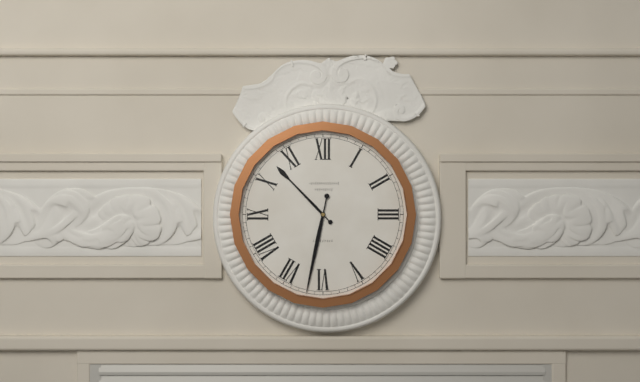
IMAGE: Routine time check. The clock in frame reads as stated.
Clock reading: 10:32
